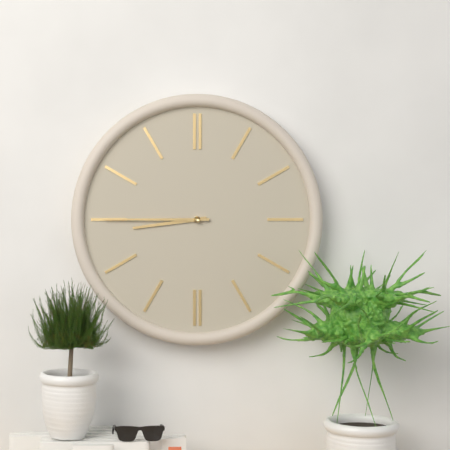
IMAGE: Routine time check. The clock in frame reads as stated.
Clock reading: 8:45
